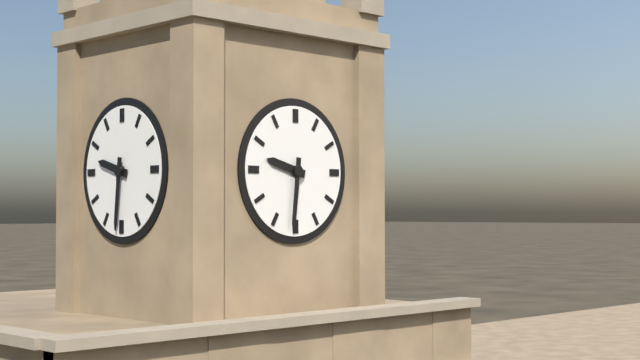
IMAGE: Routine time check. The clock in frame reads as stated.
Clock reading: 9:31
